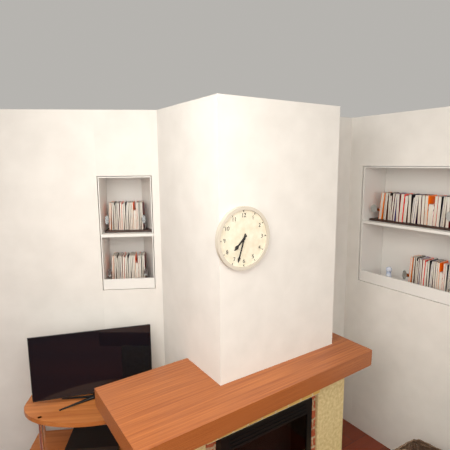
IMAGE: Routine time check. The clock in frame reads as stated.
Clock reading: 7:33
